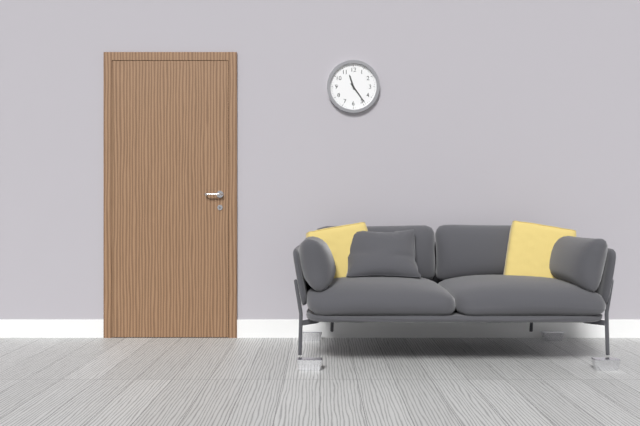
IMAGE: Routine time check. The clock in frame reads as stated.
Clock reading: 11:24
